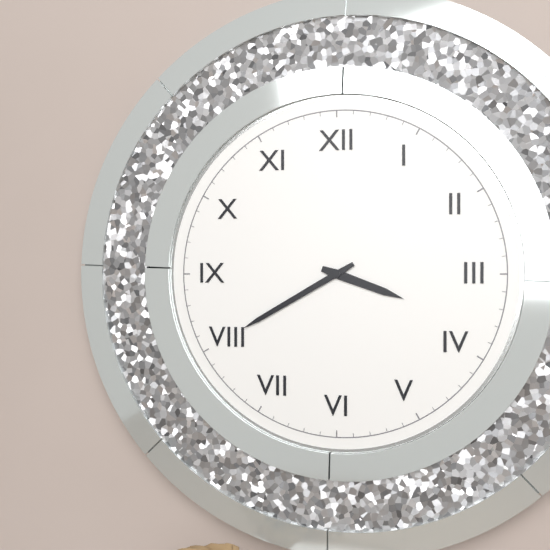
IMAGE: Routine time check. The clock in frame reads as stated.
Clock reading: 3:40
